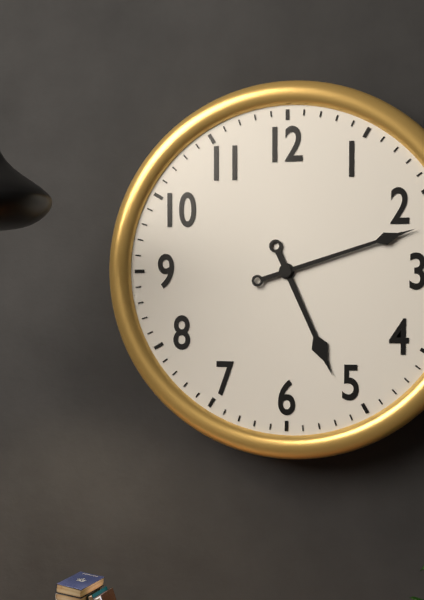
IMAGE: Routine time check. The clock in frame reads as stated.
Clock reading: 5:12
